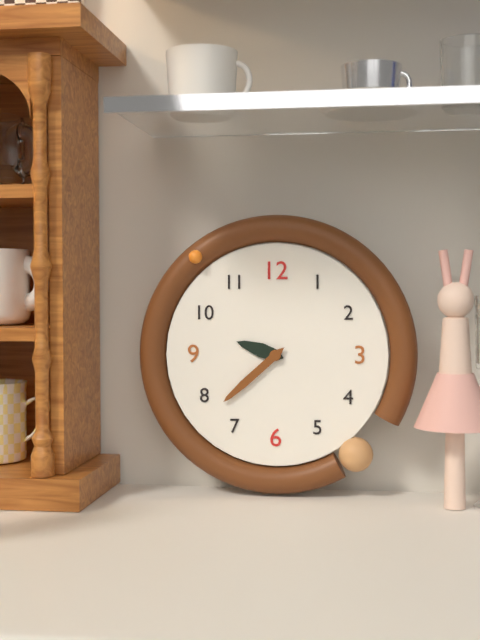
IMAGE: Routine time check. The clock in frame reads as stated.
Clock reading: 9:38
